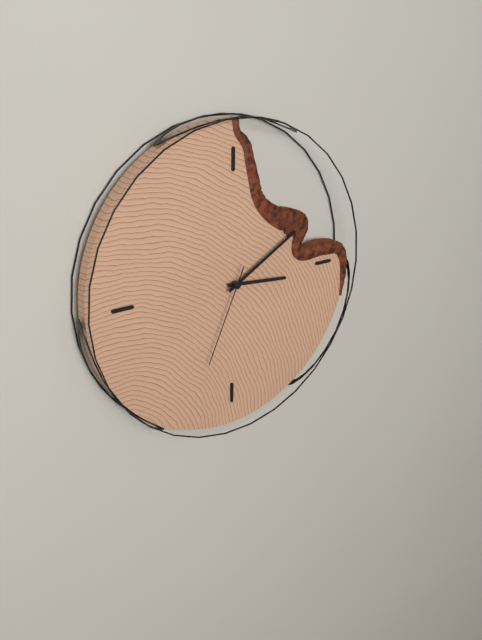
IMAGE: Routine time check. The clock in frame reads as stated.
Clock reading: 3:10:34
